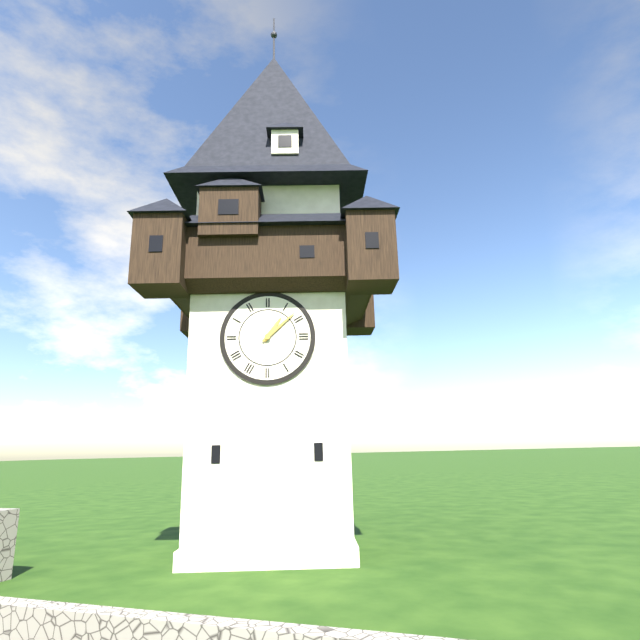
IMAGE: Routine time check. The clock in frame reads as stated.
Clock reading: 1:08
